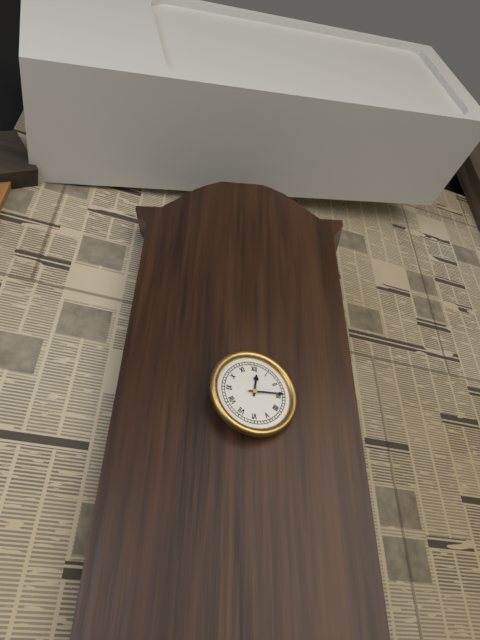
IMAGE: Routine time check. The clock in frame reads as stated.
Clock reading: 12:14
